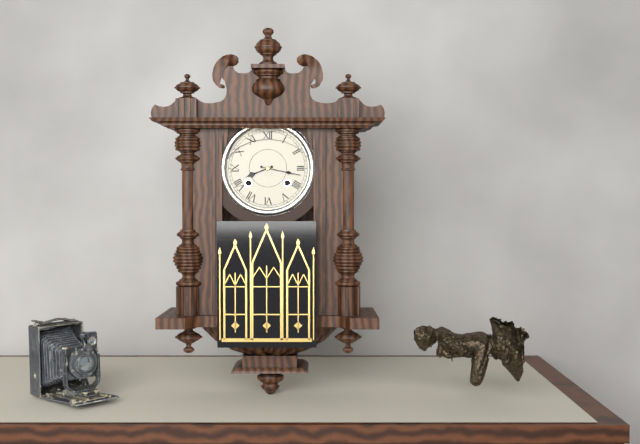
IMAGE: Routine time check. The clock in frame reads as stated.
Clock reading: 8:17
